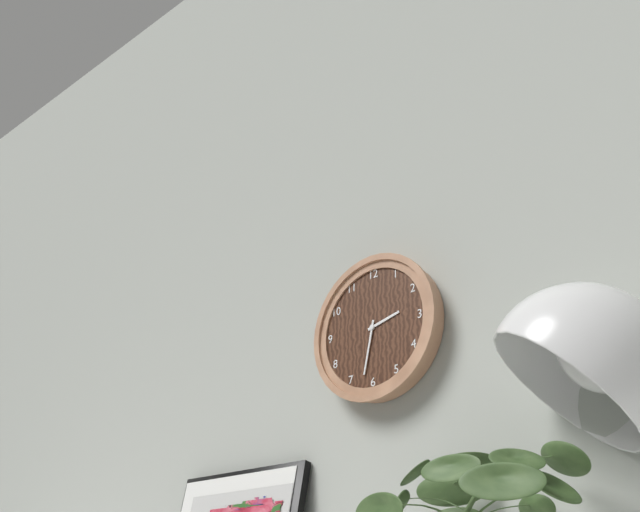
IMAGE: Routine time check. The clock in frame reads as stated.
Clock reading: 2:32
